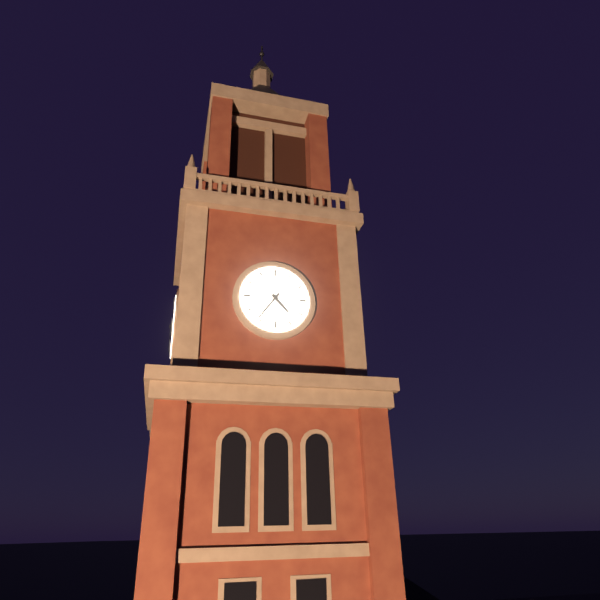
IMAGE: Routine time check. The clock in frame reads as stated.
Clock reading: 4:36
